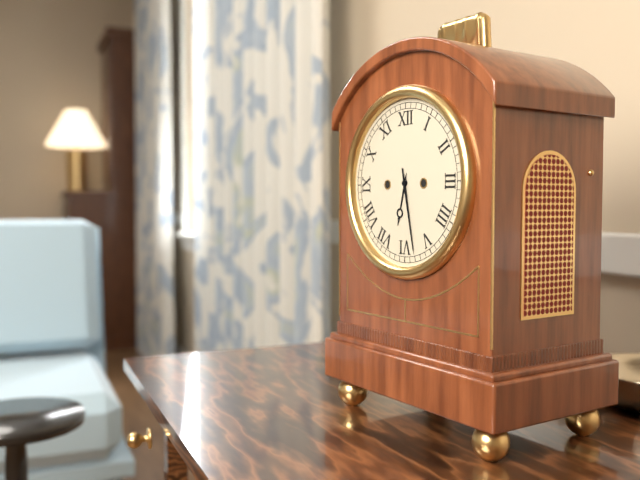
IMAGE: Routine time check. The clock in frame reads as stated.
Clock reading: 6:28
